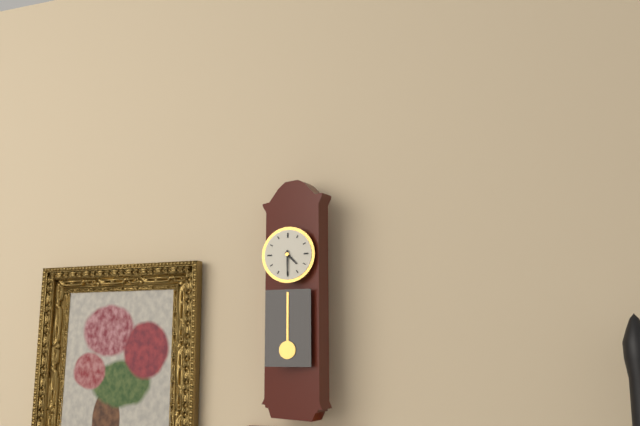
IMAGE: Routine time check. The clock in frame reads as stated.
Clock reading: 4:30
